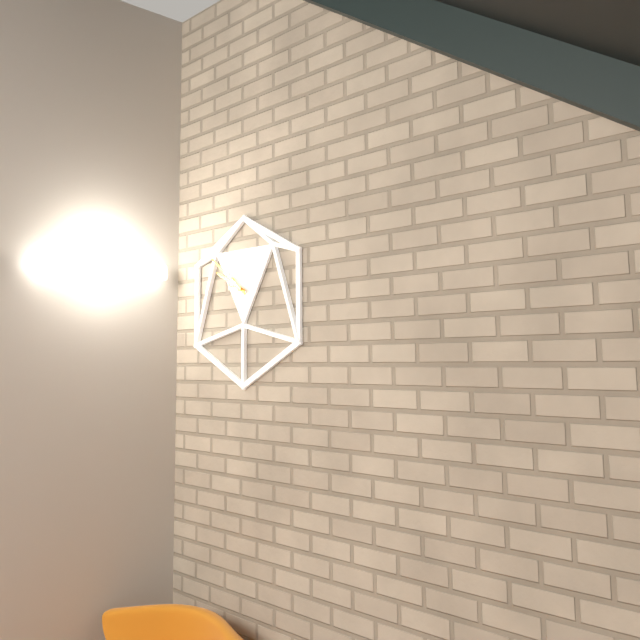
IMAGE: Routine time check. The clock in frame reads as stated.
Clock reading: 9:51
